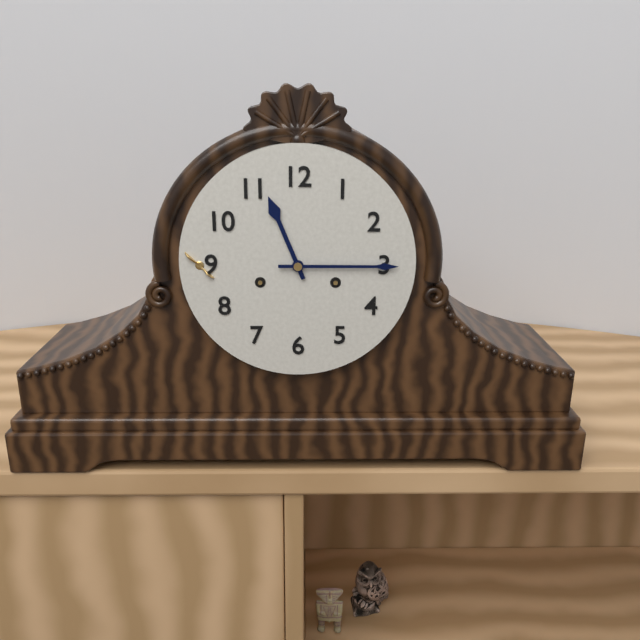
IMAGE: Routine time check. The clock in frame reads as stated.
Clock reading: 11:15
